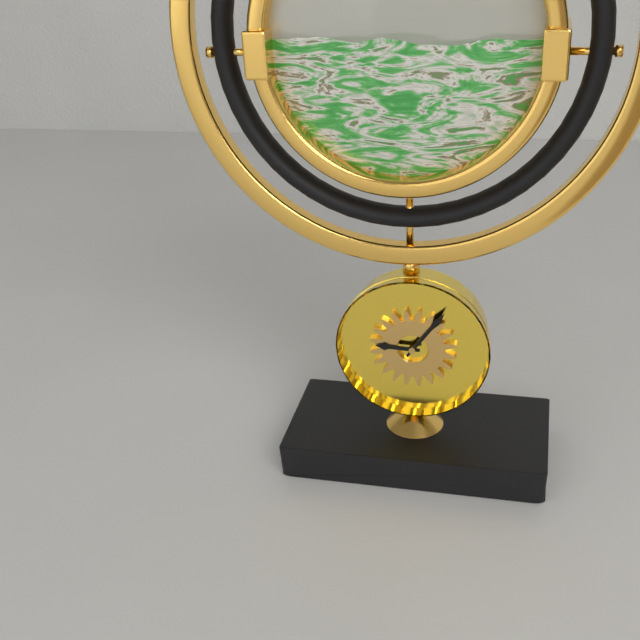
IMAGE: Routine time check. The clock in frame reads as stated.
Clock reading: 9:06
